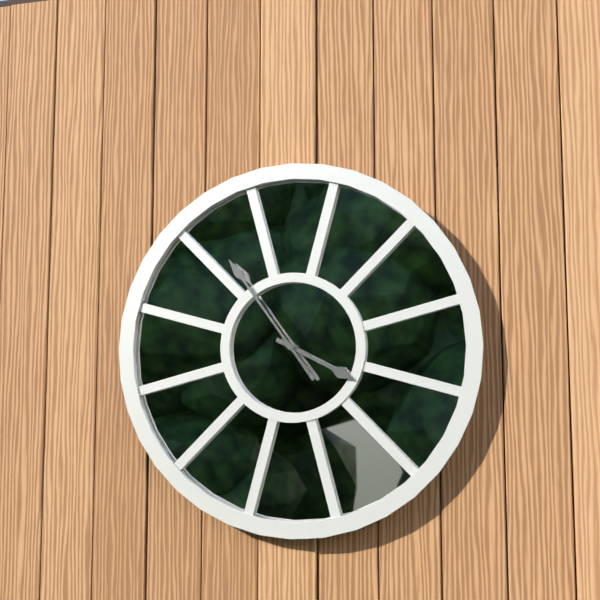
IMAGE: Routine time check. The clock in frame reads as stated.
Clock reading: 3:54
